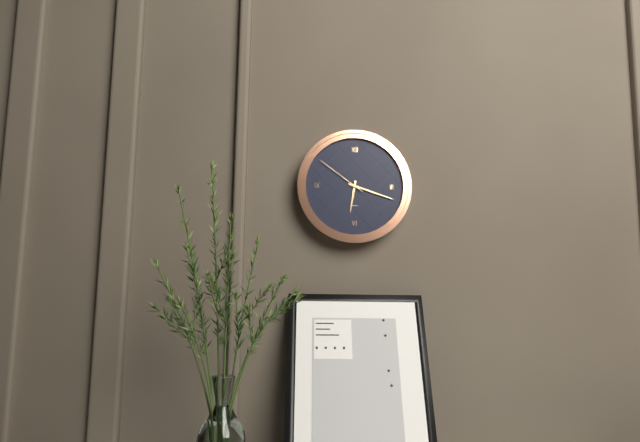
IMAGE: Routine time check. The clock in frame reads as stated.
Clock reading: 6:18:51
